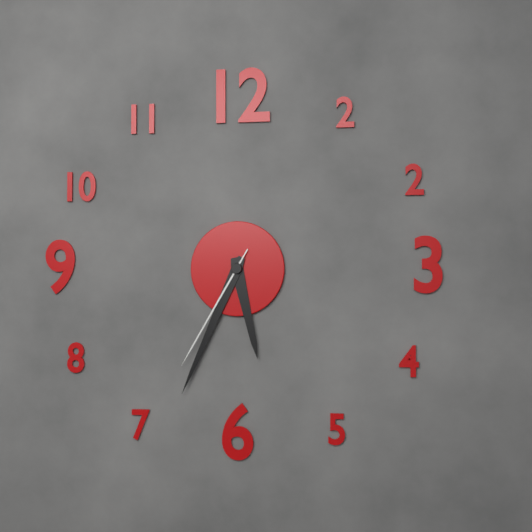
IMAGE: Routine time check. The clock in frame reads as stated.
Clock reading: 5:34:35
